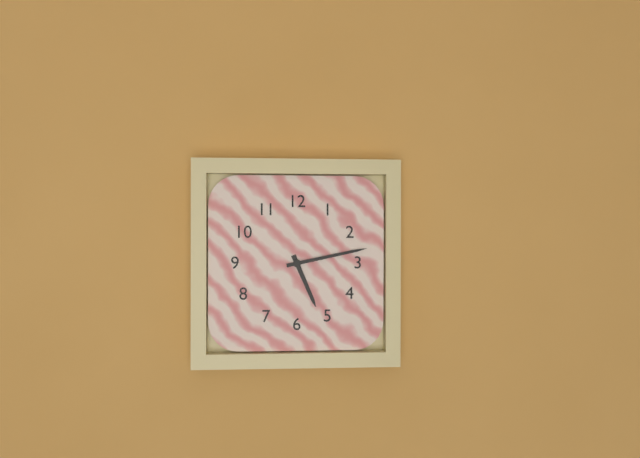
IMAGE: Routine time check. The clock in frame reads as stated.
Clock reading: 5:13
